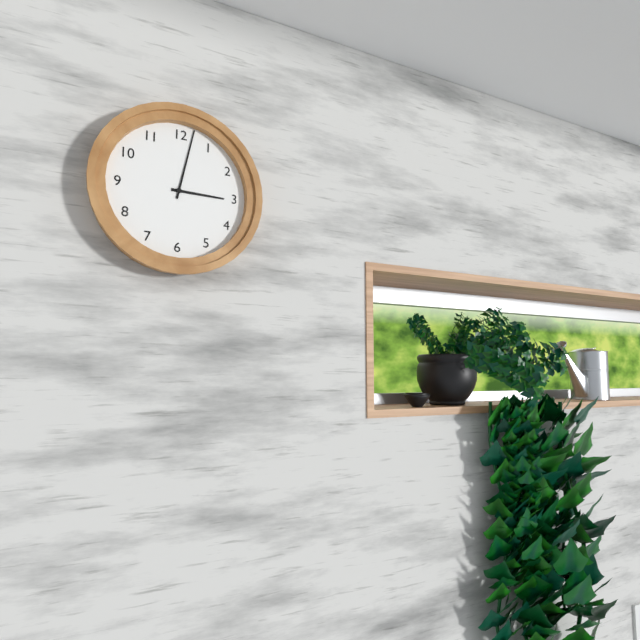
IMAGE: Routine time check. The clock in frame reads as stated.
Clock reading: 3:02
